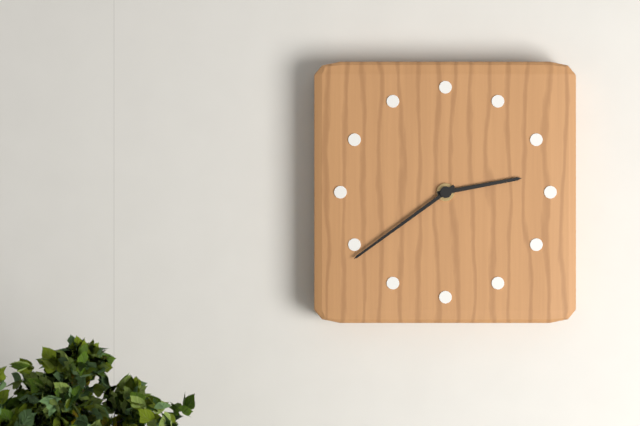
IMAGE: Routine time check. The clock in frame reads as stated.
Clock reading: 2:39
